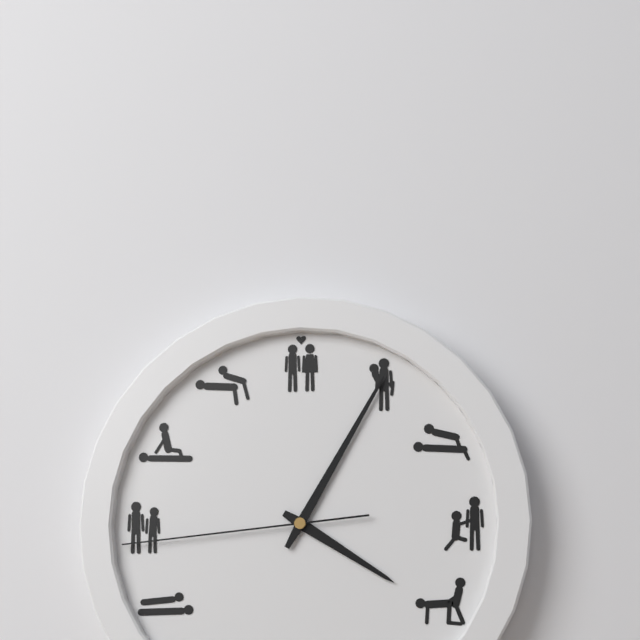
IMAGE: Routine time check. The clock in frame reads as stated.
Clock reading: 4:05:44
